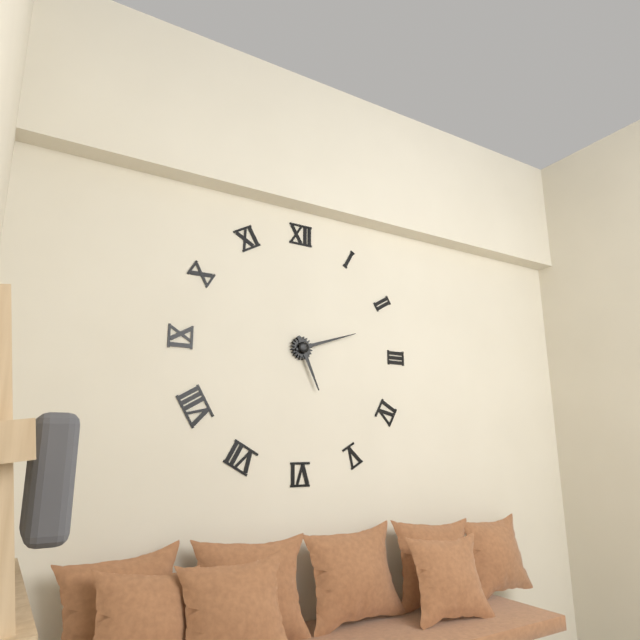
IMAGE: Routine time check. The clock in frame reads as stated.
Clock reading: 5:12
